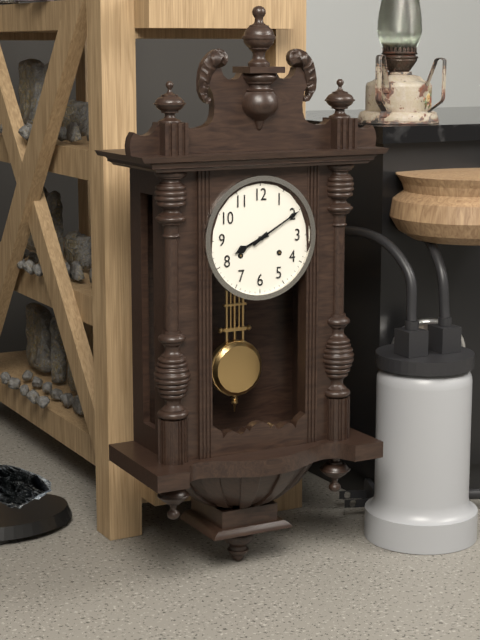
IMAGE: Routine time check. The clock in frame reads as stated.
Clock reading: 8:10
